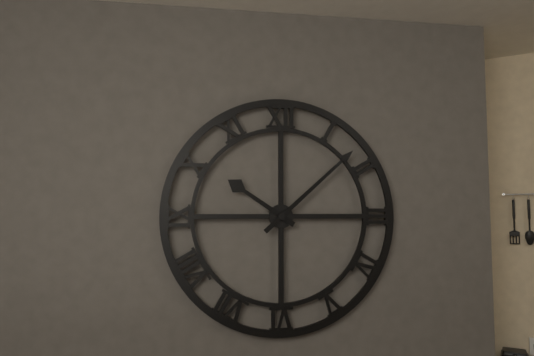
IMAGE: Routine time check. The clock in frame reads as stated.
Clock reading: 10:08
